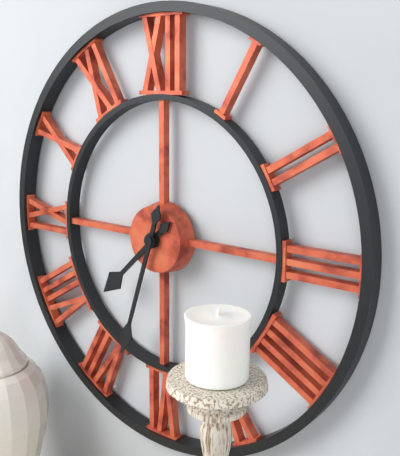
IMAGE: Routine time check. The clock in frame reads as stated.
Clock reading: 7:33
